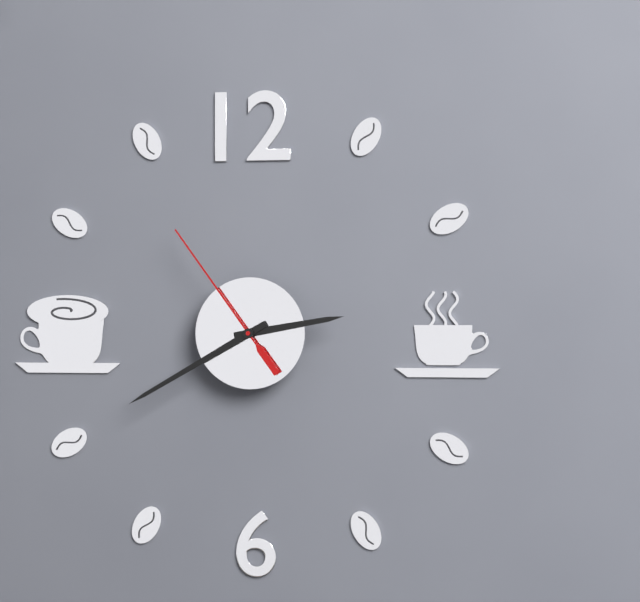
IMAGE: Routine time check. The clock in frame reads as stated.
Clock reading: 2:40:54
